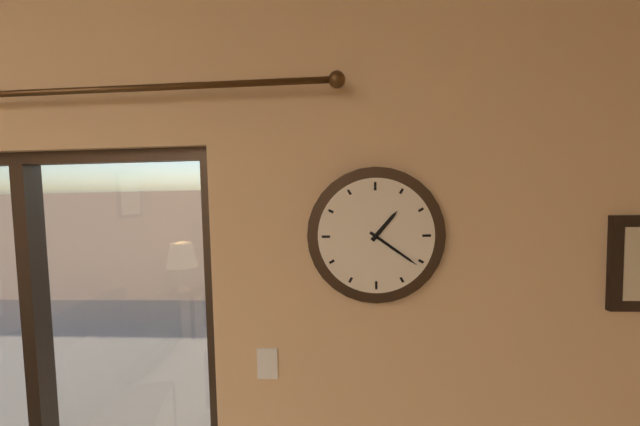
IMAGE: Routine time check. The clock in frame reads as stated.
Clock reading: 1:21
